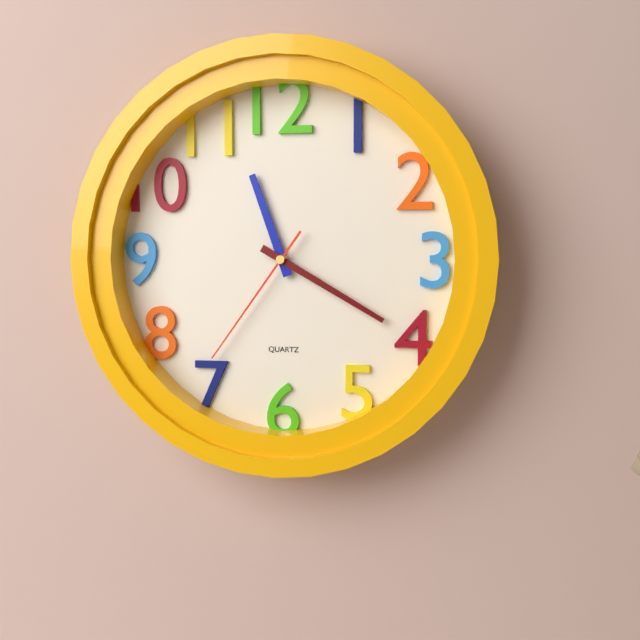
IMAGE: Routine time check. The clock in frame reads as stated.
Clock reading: 11:20:36
